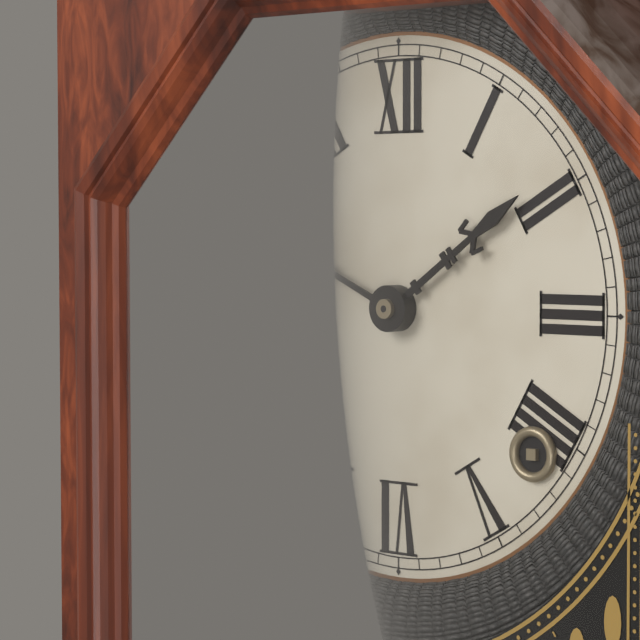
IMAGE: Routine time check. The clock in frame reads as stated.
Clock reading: 1:49
